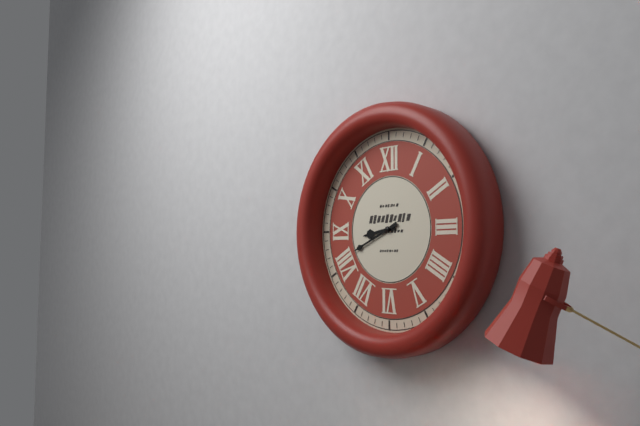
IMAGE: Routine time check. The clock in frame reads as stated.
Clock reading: 8:41
